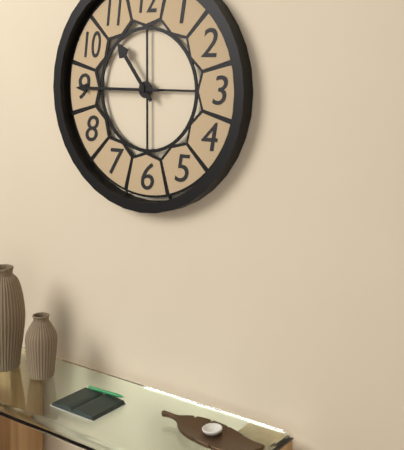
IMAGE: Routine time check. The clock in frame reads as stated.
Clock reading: 10:45
